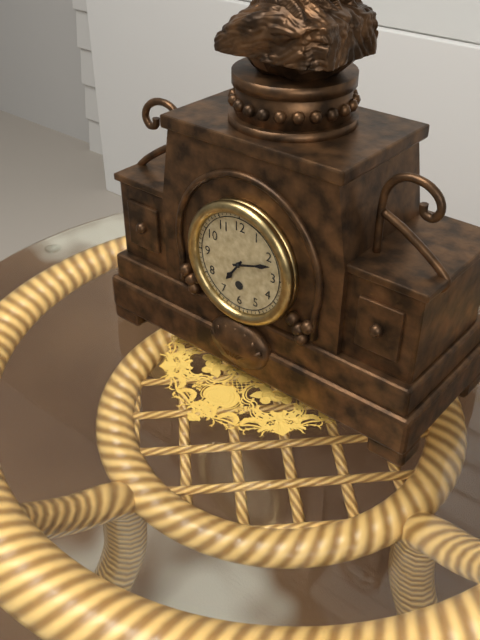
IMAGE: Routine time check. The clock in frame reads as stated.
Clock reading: 7:12
